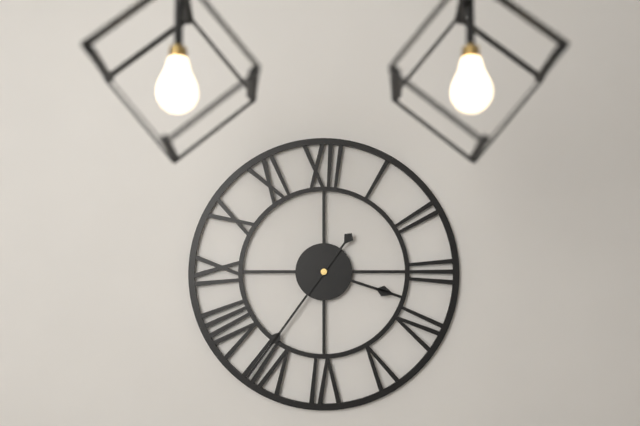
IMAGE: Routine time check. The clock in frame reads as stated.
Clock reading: 3:36
